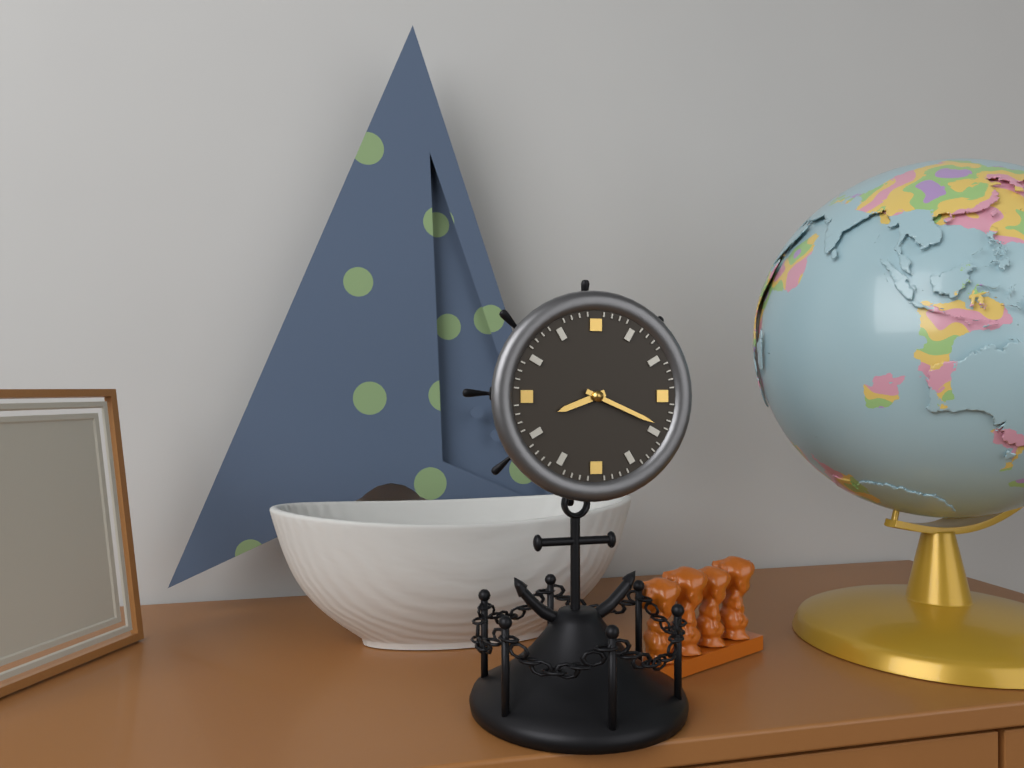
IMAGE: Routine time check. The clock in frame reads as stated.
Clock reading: 8:19
